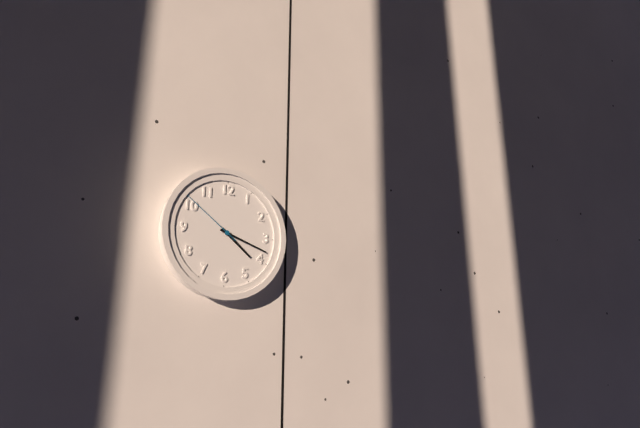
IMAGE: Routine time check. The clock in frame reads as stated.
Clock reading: 4:18:51
